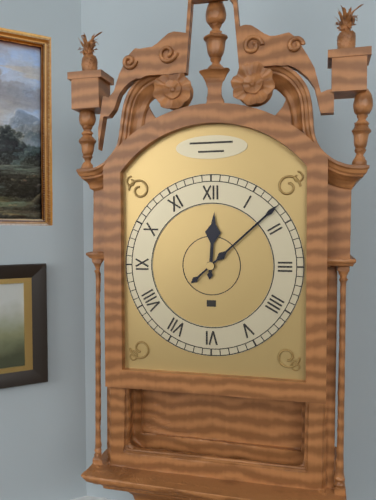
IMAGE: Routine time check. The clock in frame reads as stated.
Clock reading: 12:08
